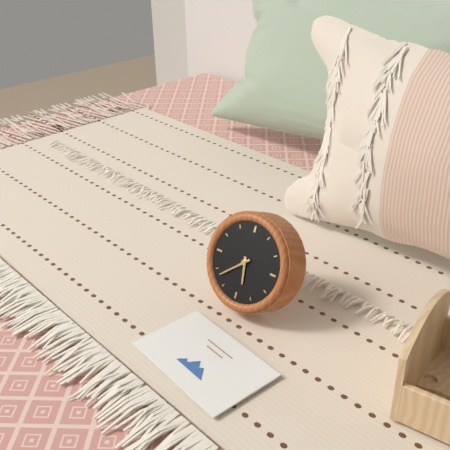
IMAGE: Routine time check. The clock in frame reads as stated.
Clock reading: 5:38
